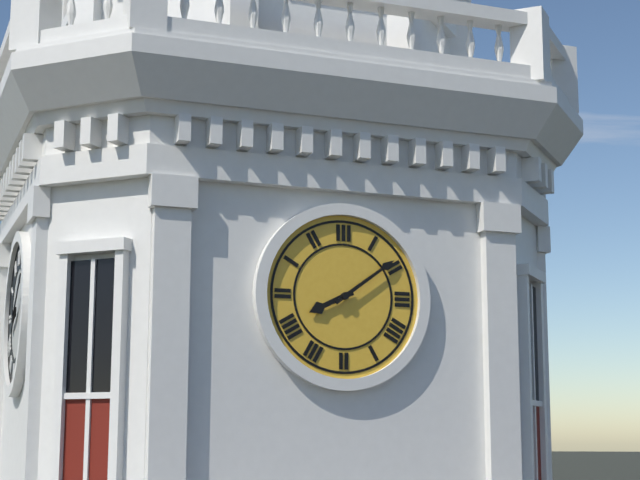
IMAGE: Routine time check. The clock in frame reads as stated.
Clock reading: 8:09
